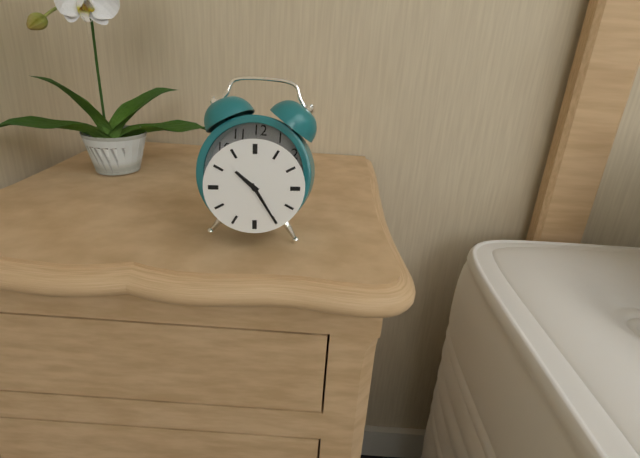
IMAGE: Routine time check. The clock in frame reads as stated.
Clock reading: 10:25
